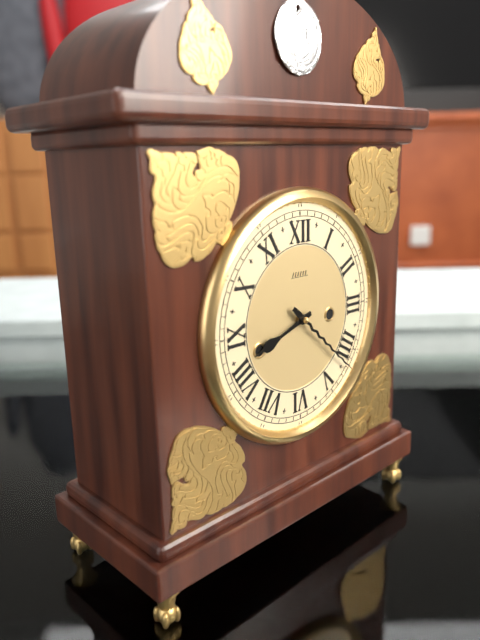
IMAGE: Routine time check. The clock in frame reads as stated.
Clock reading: 8:22
